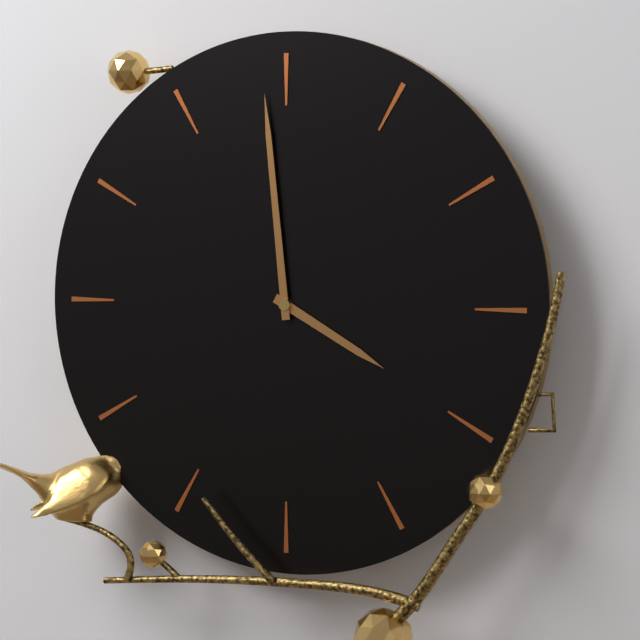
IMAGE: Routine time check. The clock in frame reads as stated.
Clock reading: 3:59
